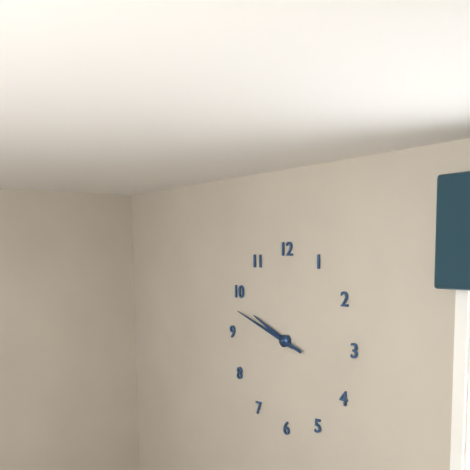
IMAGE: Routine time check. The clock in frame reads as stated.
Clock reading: 9:48
